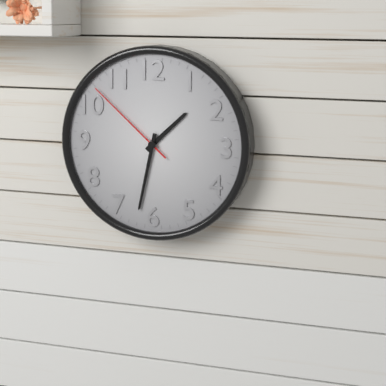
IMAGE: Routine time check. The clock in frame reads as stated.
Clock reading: 1:32:52
